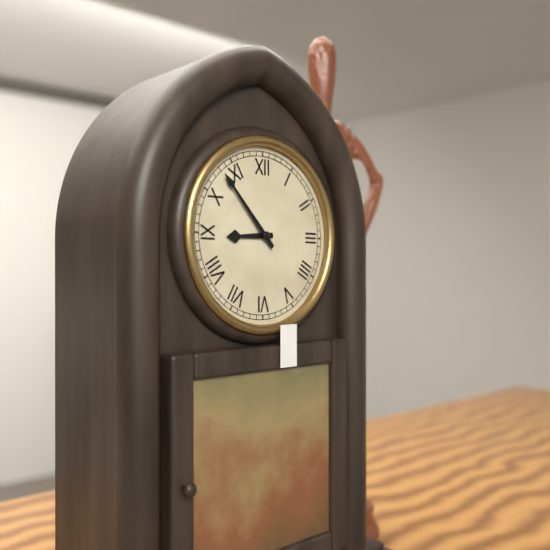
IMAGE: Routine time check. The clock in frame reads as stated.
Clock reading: 8:53
